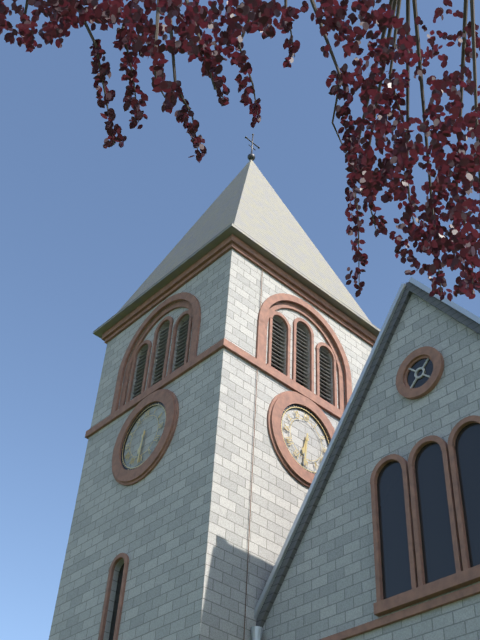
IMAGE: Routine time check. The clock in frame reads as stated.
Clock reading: 6:31
